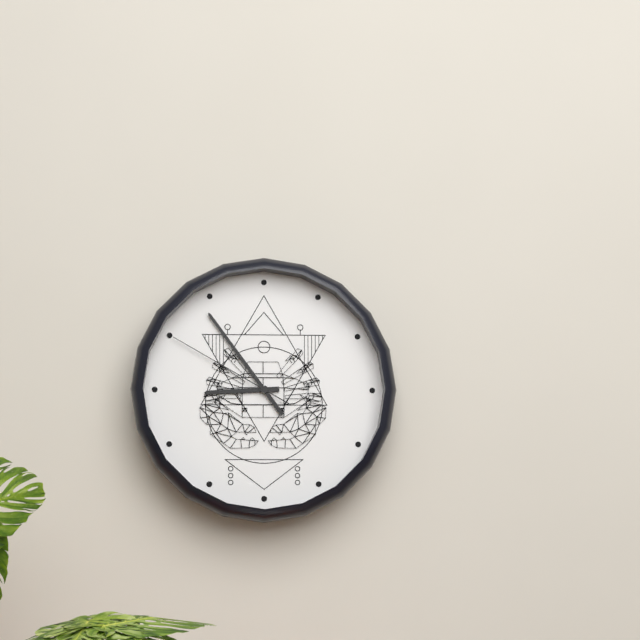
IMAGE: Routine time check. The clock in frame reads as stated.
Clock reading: 8:54:50
